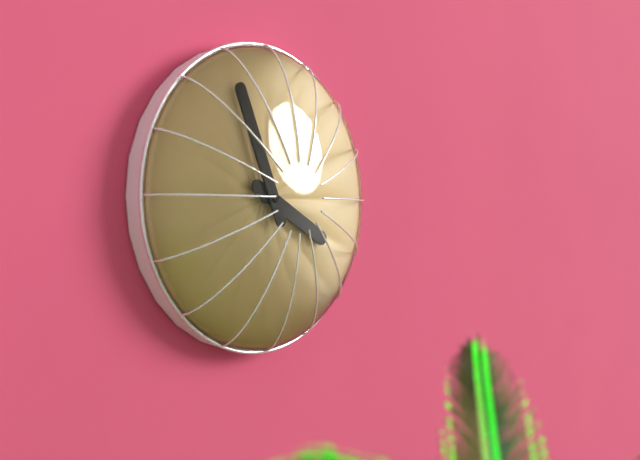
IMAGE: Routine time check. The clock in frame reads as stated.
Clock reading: 3:56
